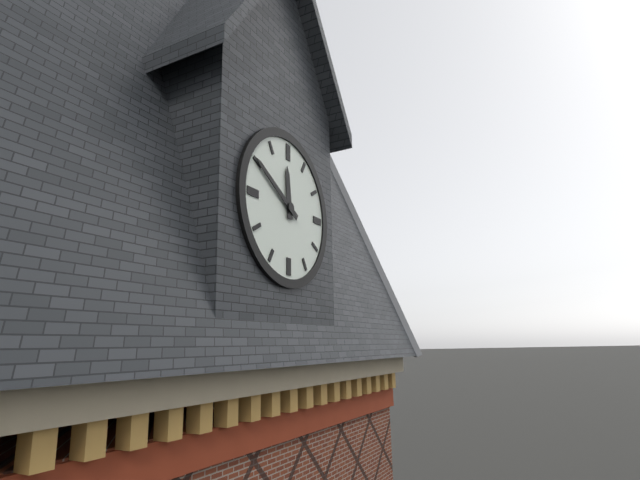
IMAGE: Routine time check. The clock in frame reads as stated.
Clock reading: 11:50
